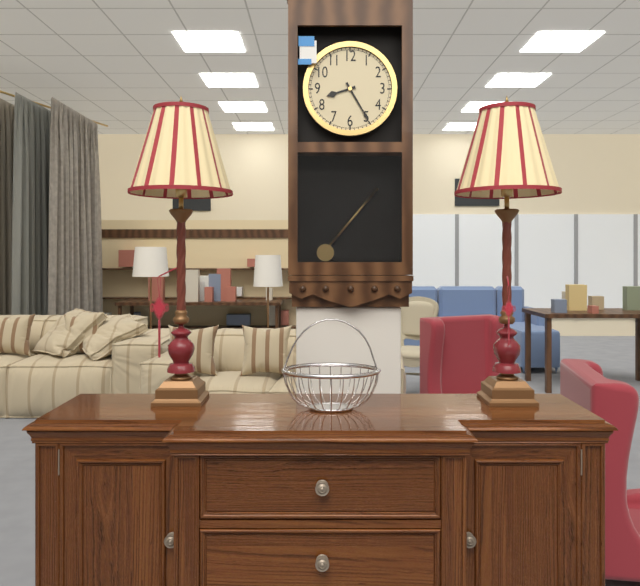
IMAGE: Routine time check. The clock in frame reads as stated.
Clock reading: 8:25
